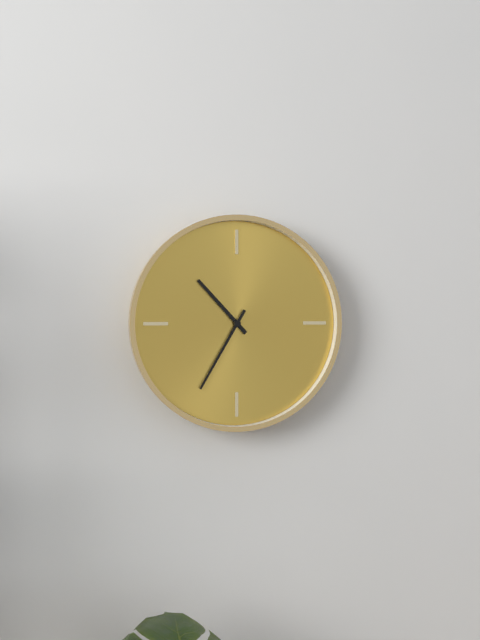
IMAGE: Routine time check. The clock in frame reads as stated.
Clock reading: 10:35
